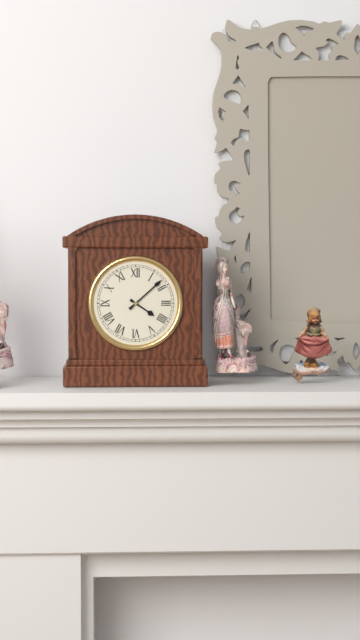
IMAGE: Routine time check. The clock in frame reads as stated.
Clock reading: 4:08
